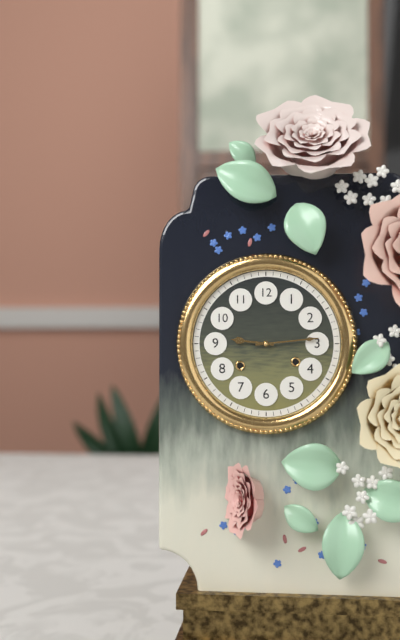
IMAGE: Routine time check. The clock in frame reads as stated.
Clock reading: 9:14
